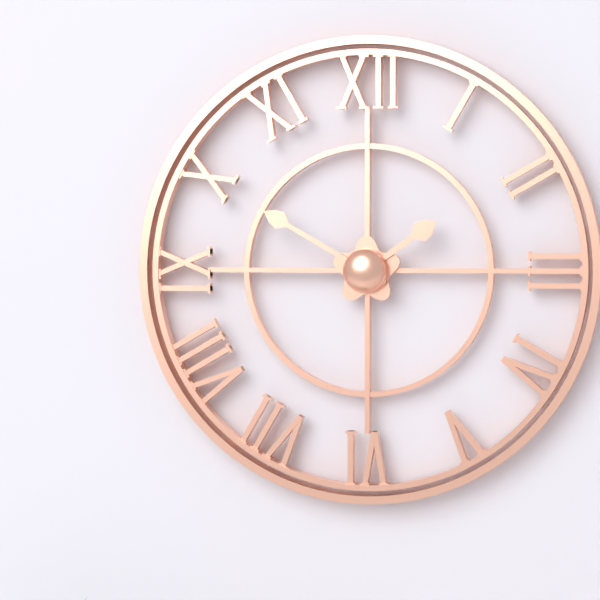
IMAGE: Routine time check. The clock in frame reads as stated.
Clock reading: 1:50
